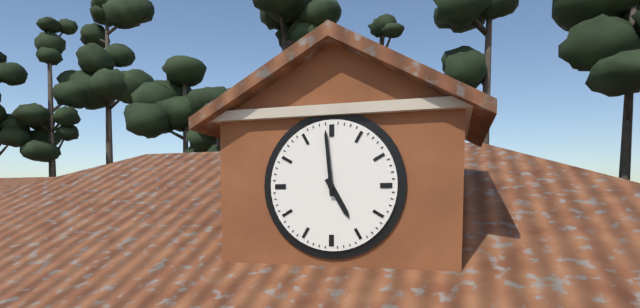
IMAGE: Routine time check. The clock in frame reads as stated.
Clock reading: 4:59
